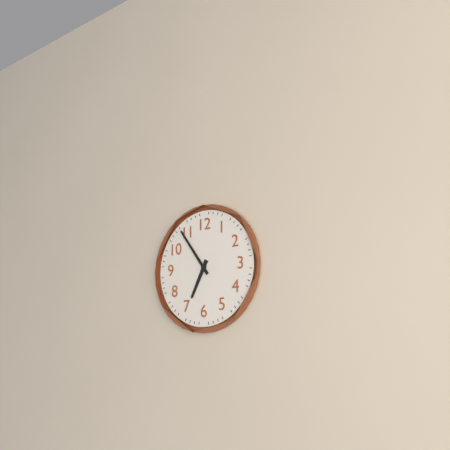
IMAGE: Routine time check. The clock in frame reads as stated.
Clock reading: 6:54
